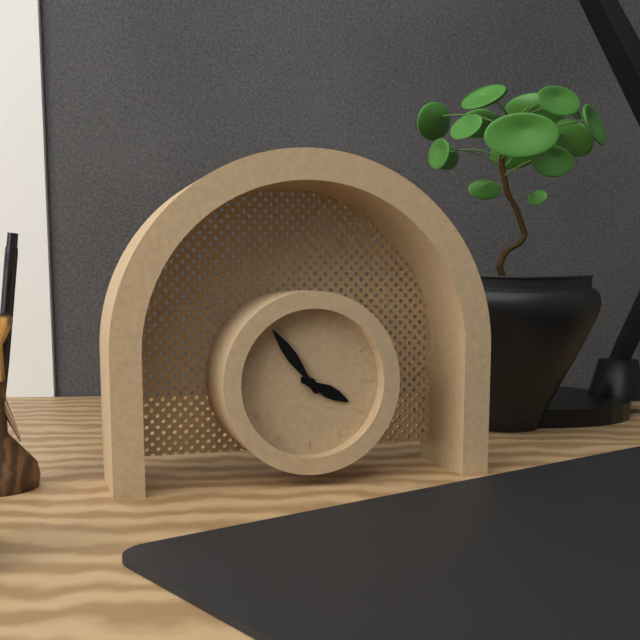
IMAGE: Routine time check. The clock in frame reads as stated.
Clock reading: 3:54
